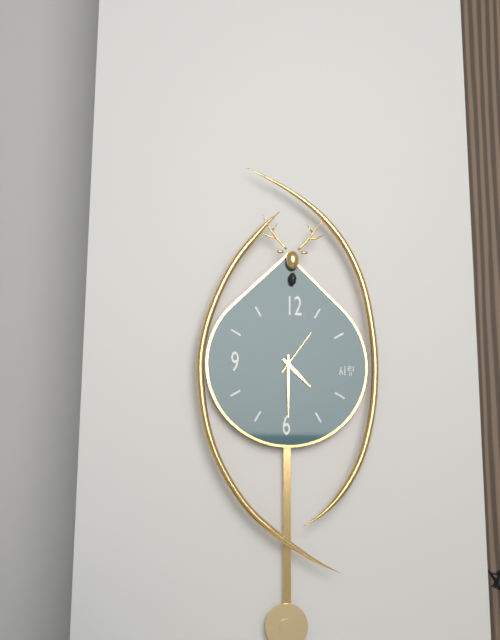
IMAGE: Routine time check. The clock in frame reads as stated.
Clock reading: 4:30:06
